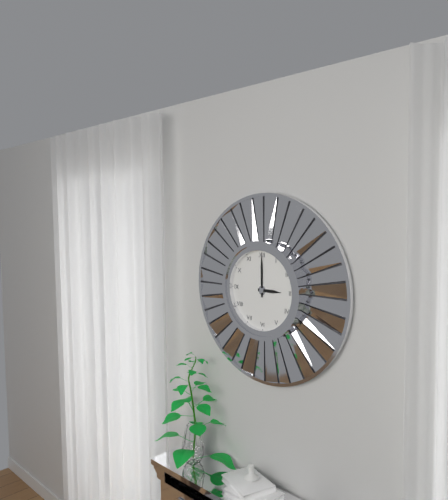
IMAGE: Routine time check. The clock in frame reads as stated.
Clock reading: 3:00
